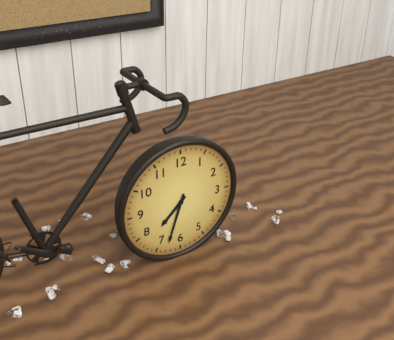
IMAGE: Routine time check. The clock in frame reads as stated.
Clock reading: 7:33
